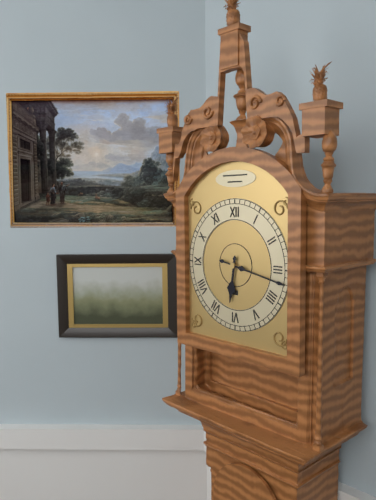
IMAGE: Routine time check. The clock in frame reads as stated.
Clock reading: 6:17
